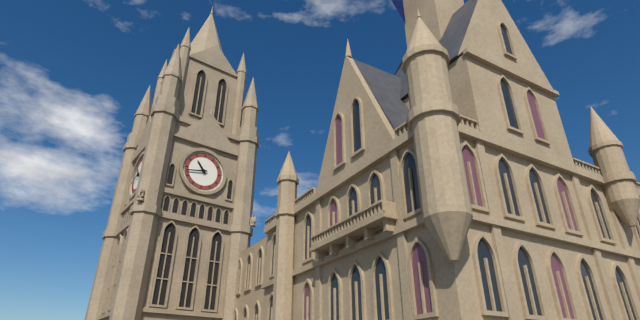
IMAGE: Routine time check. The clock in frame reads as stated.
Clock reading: 10:43
